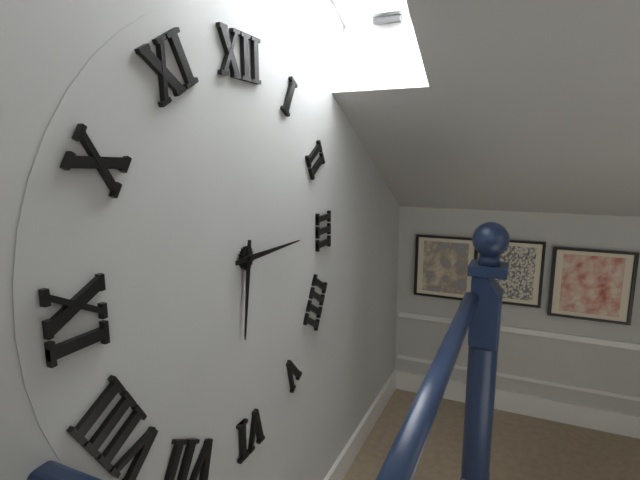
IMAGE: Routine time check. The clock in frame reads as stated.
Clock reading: 6:15
